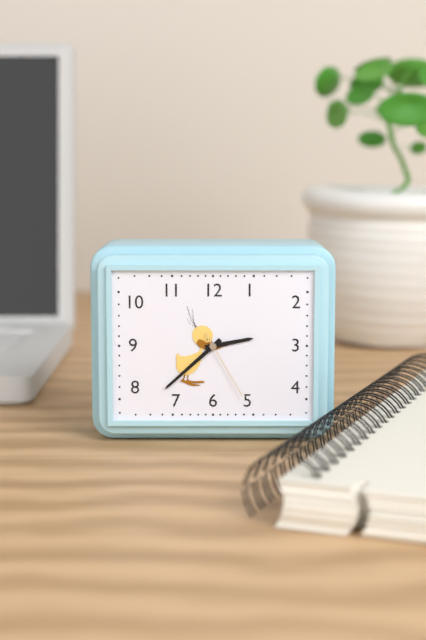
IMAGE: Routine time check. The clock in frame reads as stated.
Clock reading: 2:38:25
